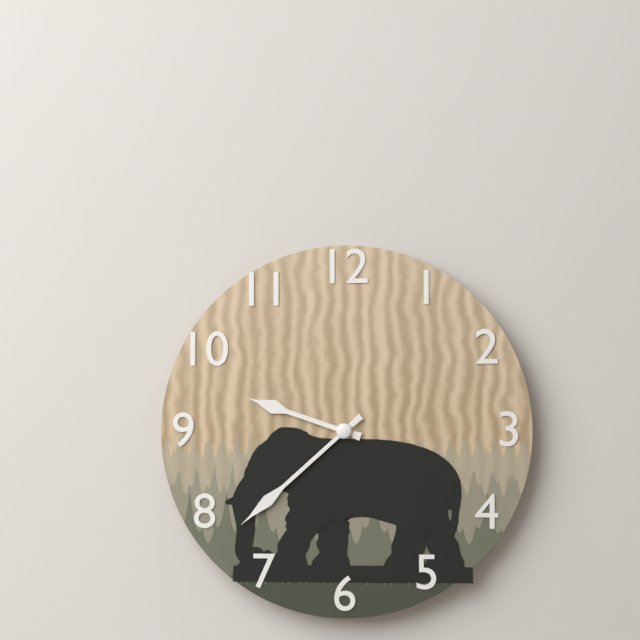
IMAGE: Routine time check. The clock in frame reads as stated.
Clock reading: 9:38
